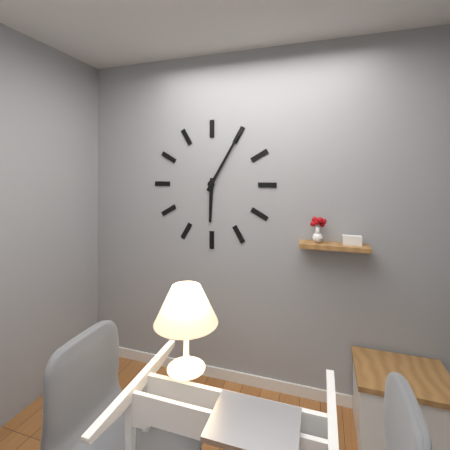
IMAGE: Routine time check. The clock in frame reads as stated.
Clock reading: 6:05
